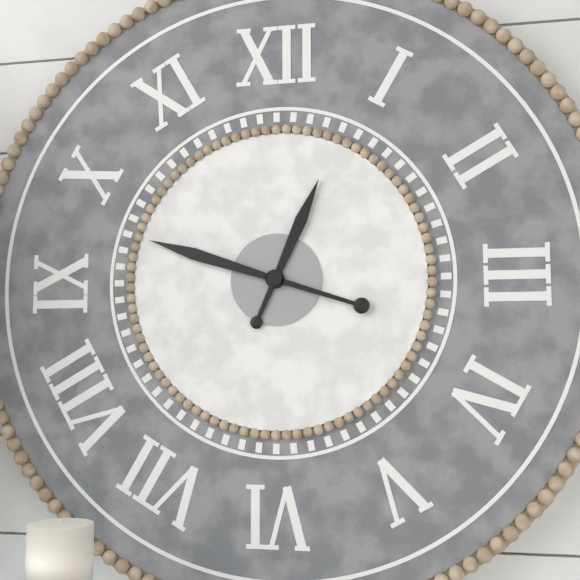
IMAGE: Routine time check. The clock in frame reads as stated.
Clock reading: 12:48
